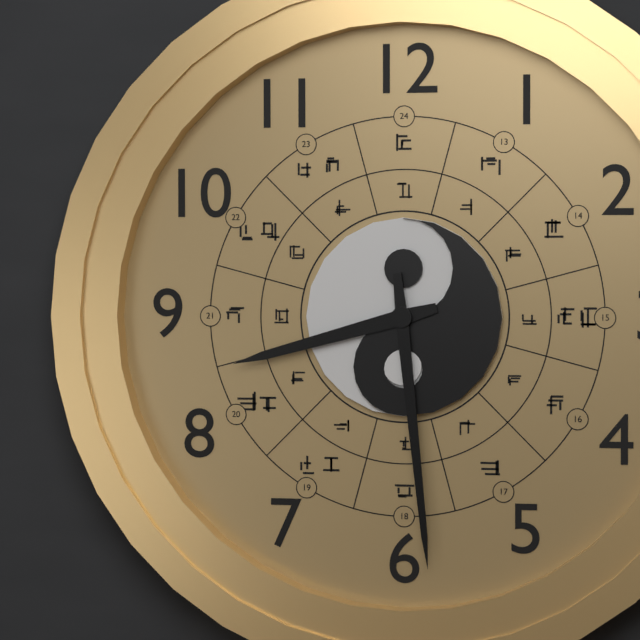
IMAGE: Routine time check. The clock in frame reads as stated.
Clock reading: 8:29
